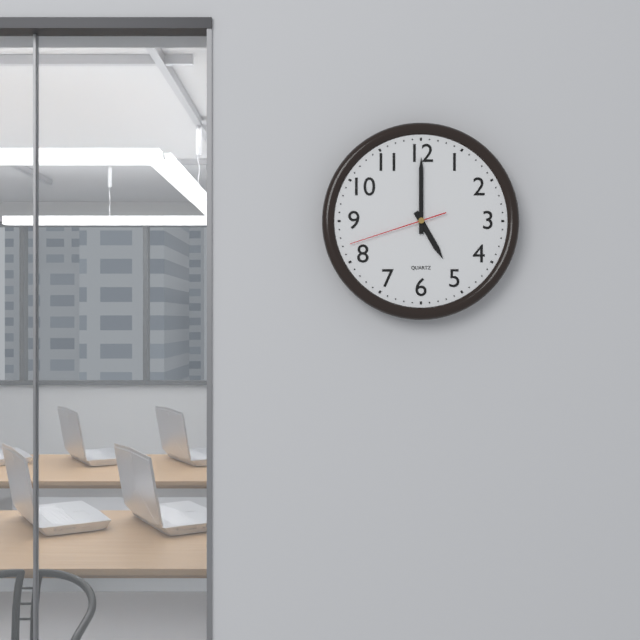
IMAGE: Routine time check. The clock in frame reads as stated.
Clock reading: 5:00:42
